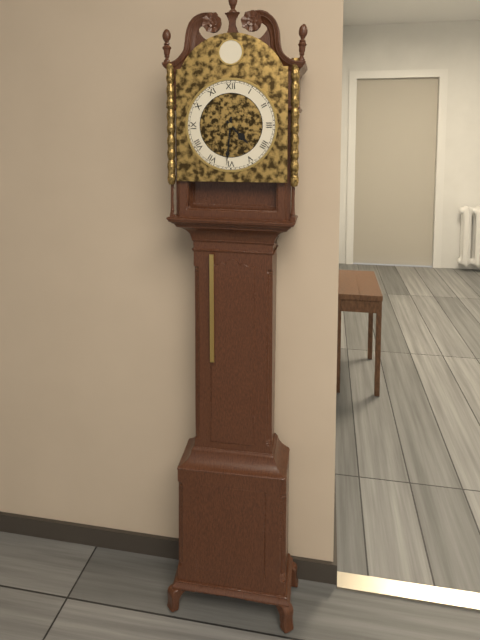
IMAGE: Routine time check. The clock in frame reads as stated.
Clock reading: 4:31
